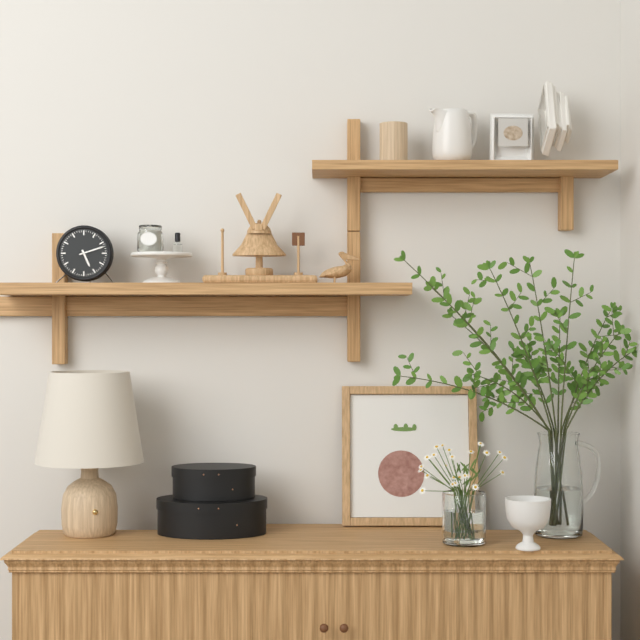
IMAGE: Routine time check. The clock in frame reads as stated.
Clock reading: 5:12
